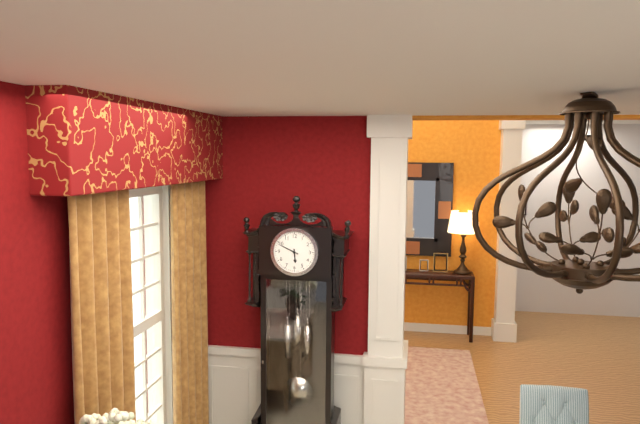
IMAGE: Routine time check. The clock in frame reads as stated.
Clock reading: 5:49
